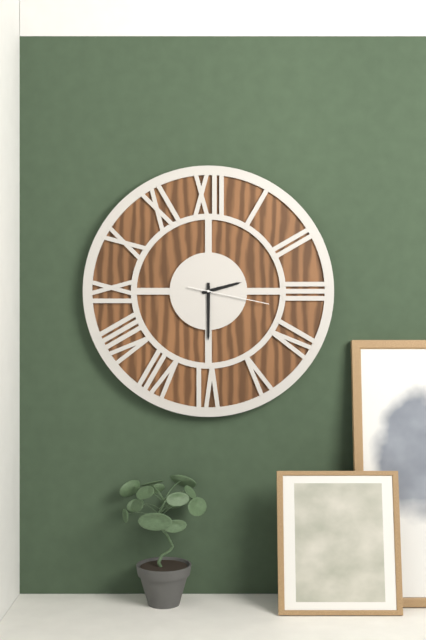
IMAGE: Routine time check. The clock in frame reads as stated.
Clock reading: 2:30:17
